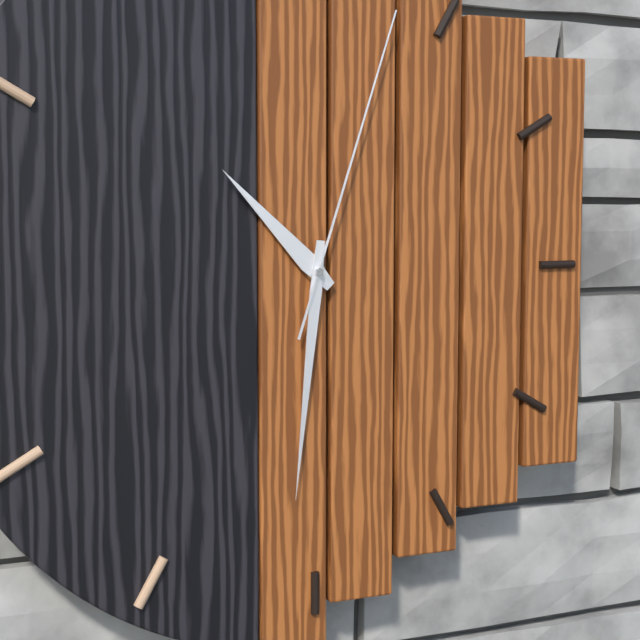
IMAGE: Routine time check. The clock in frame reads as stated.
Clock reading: 10:31:03
